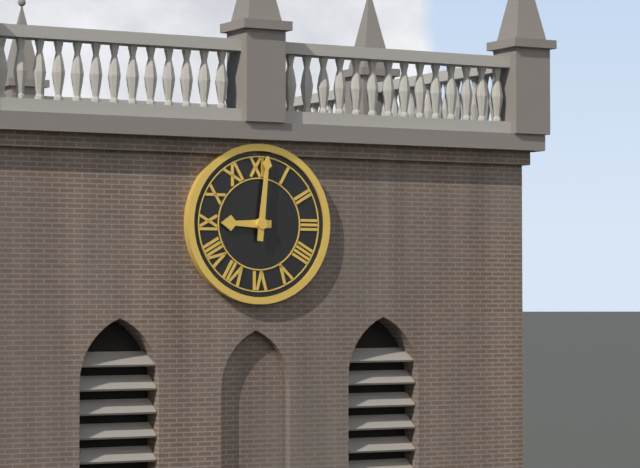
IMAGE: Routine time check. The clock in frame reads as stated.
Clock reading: 9:01
